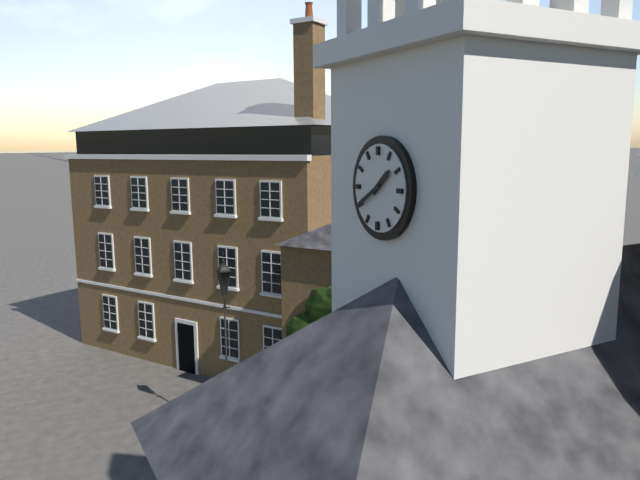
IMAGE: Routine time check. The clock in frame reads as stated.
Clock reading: 1:40
